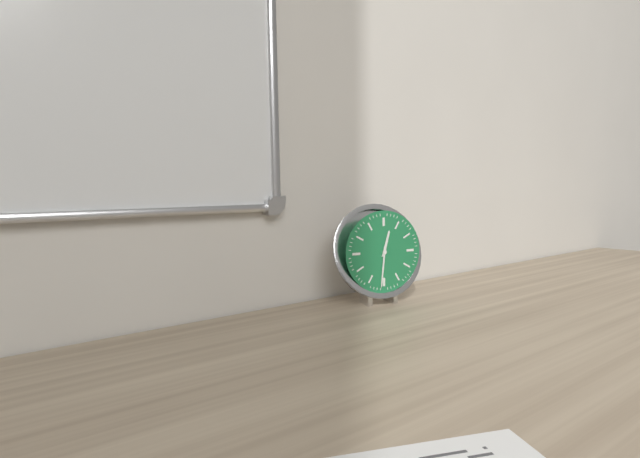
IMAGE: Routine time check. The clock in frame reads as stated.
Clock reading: 12:31
